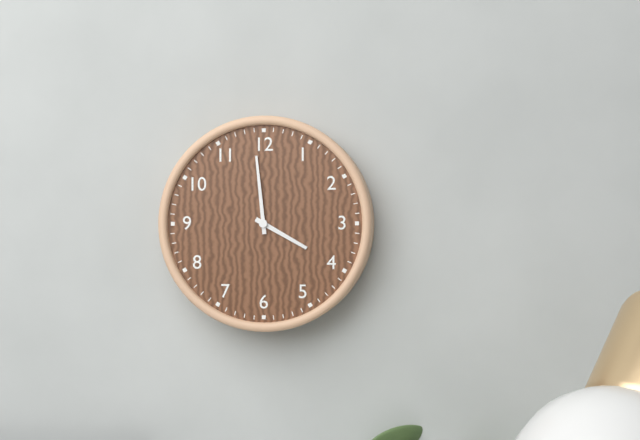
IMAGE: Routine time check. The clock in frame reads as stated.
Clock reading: 3:59
